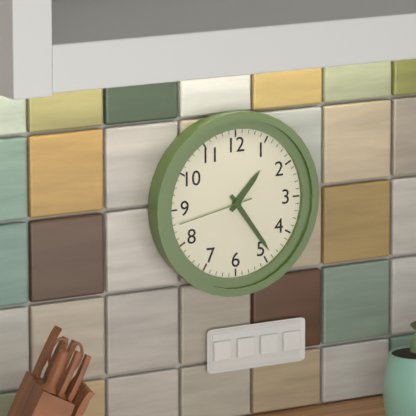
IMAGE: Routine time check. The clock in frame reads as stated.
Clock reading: 1:24:43
